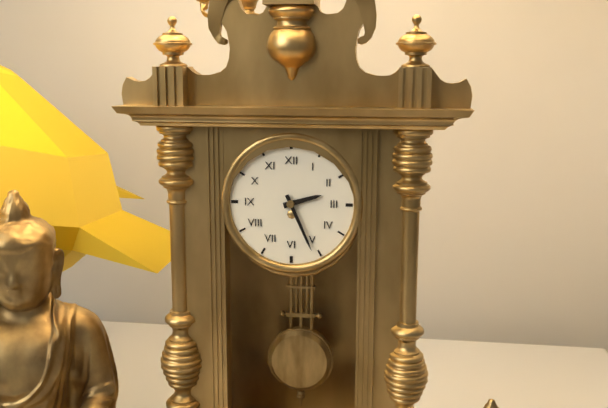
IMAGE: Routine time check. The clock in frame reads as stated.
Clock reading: 2:26
